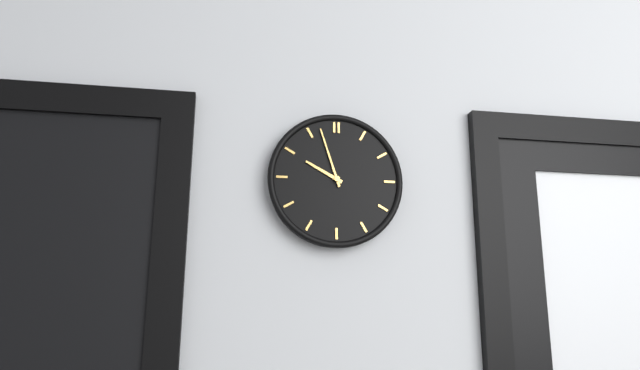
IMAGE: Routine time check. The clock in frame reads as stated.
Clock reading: 9:57
